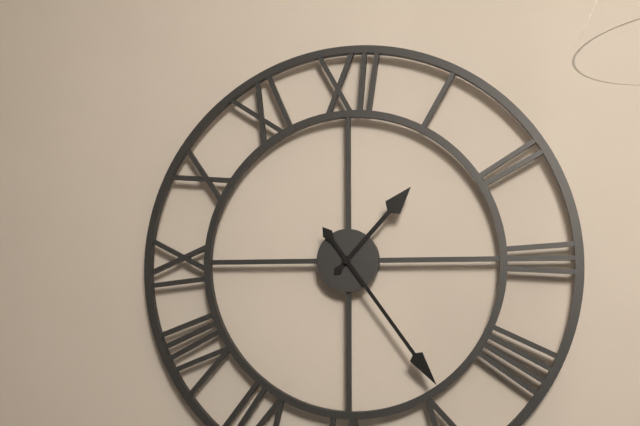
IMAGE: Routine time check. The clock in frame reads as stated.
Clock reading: 1:24
